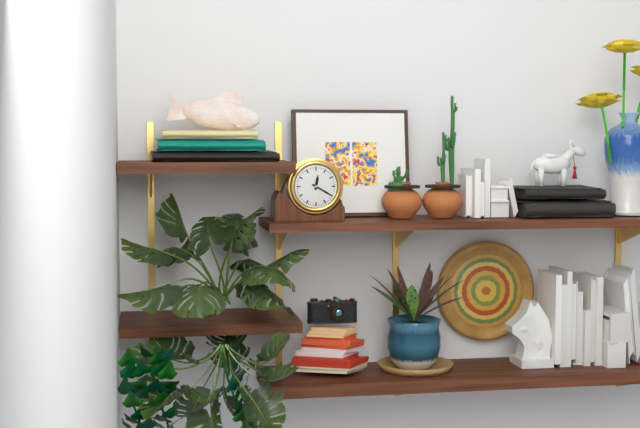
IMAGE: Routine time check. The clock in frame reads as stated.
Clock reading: 12:20
